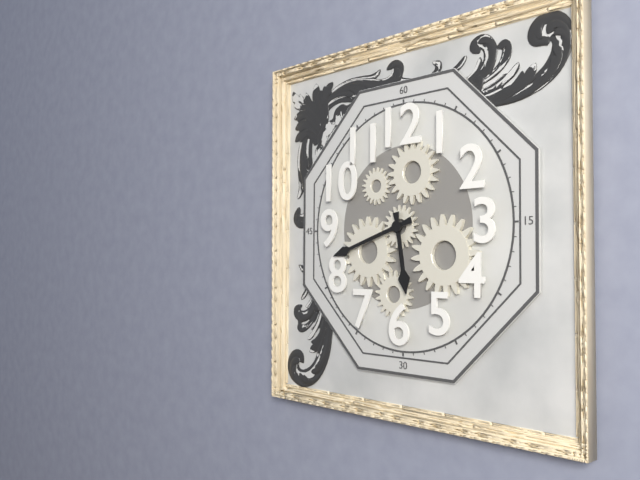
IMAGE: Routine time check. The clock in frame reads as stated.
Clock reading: 5:42
